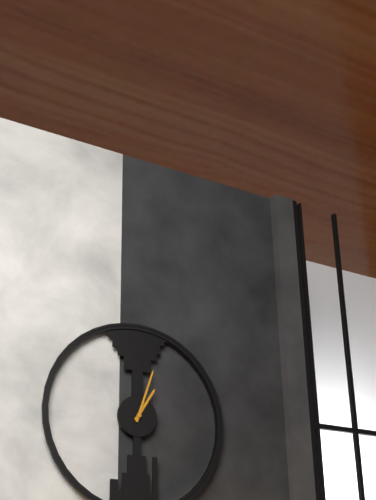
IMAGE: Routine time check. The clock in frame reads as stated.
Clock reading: 1:03
